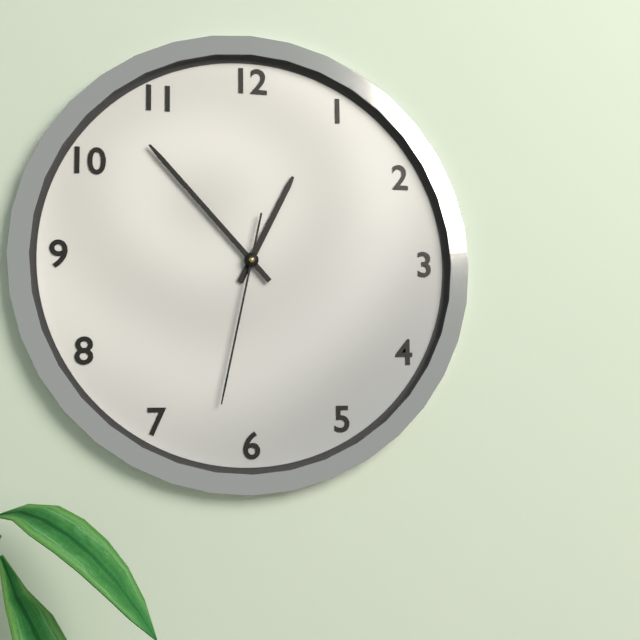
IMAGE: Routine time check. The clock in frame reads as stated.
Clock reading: 12:53:32
